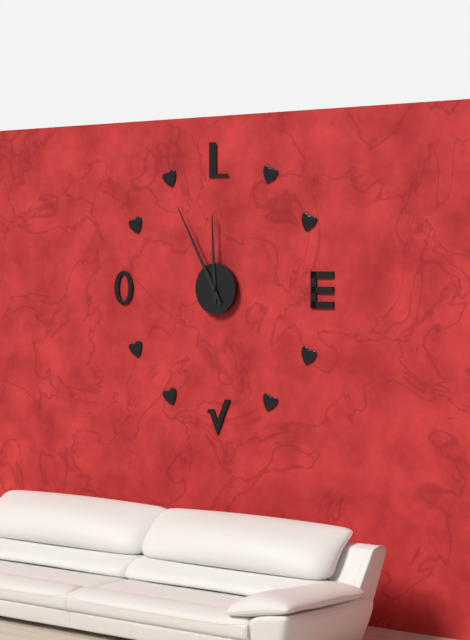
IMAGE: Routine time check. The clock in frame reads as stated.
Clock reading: 11:55
